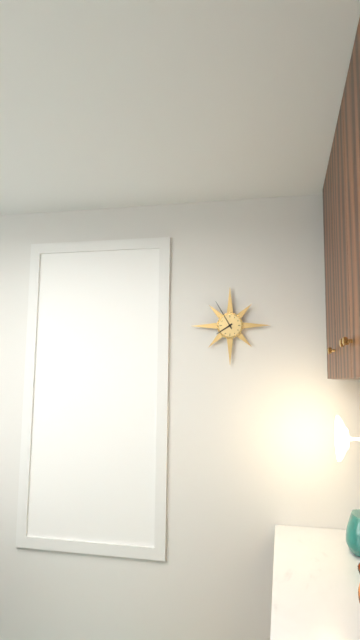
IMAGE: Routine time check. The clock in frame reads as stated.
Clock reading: 7:55
